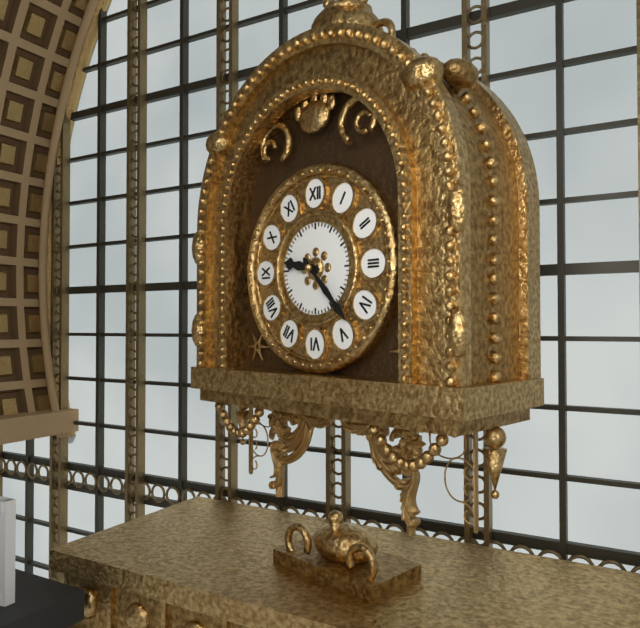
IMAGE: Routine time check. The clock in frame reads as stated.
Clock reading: 9:23
